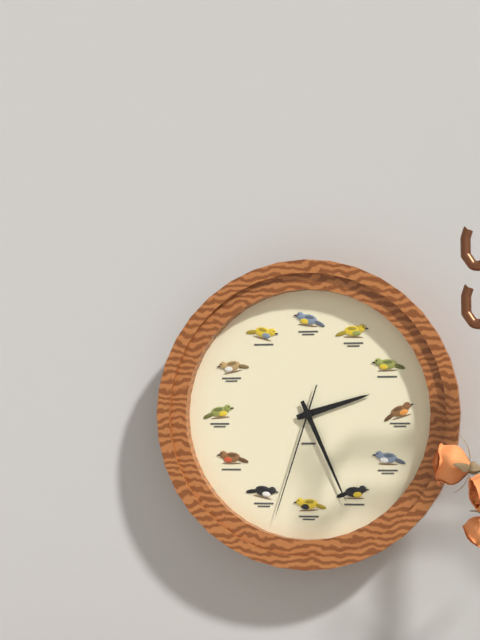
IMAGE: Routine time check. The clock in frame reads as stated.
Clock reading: 2:26:33
